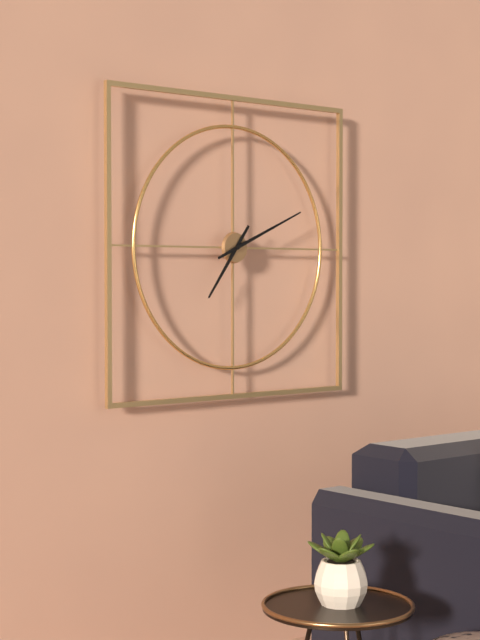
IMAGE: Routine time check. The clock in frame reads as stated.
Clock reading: 7:11
